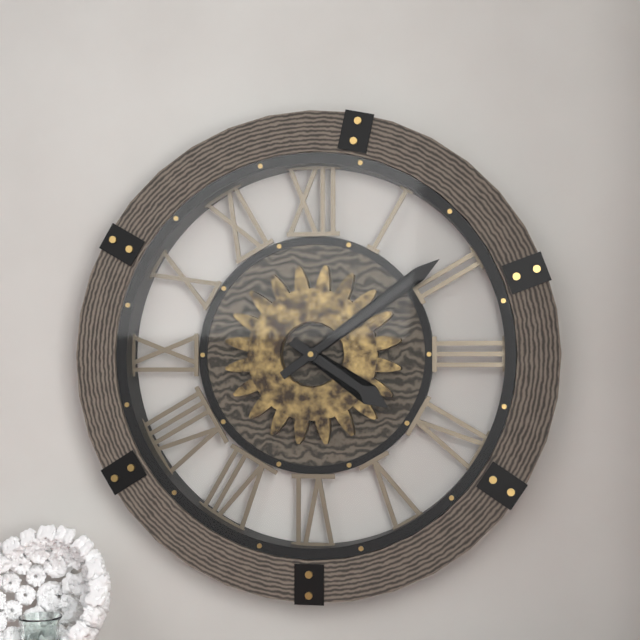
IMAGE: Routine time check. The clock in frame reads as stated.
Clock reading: 4:09
